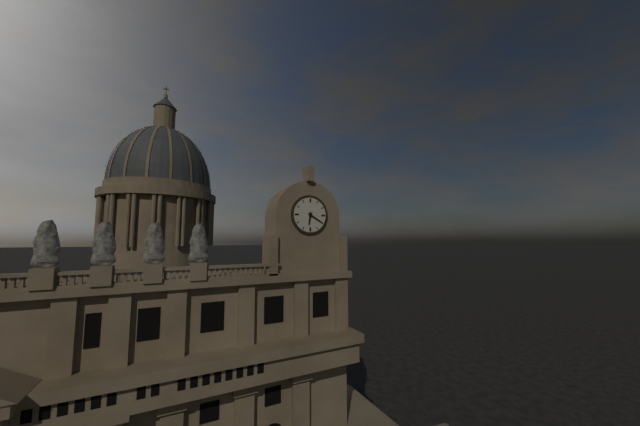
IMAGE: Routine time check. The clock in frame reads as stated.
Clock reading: 6:20
